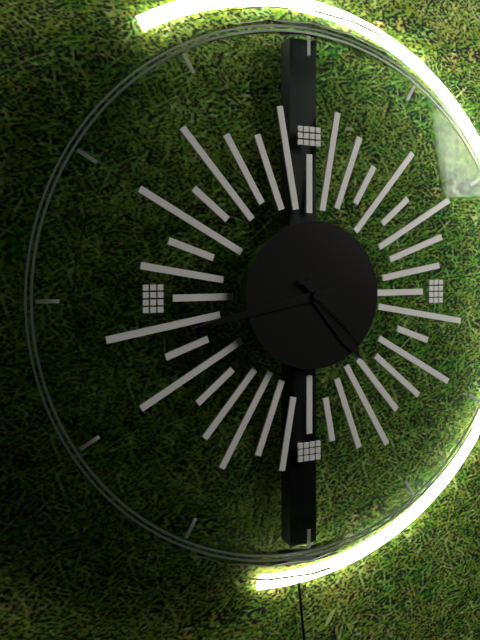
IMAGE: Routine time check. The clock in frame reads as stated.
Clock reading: 4:43:22
